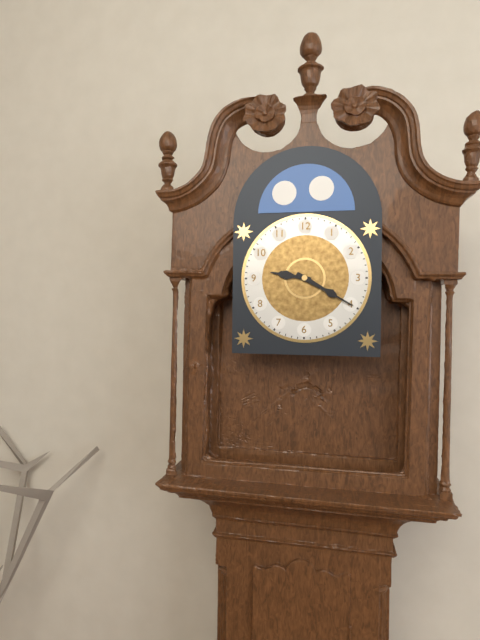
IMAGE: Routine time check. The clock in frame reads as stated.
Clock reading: 9:20
